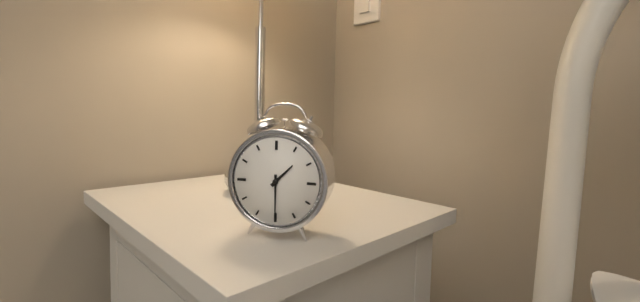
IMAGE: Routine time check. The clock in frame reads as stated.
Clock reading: 1:30
